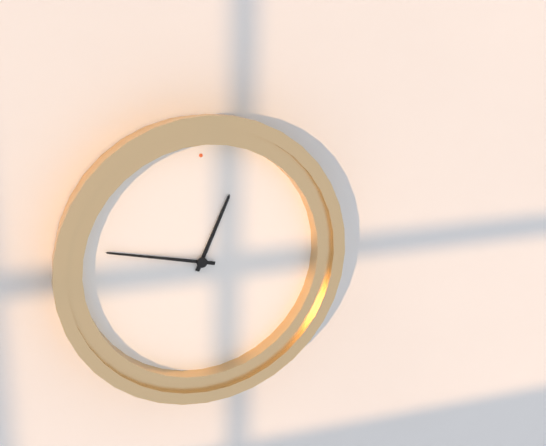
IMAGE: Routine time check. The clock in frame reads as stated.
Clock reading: 12:47
